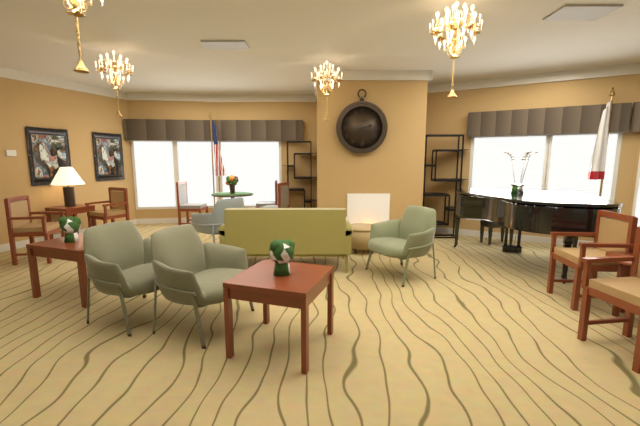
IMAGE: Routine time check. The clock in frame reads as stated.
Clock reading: 2:29
